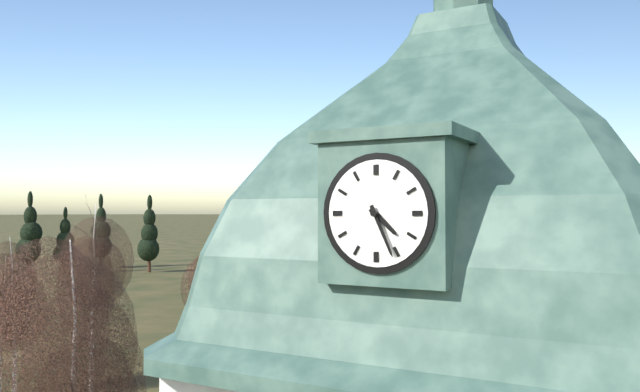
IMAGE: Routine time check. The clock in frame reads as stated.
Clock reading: 4:26
